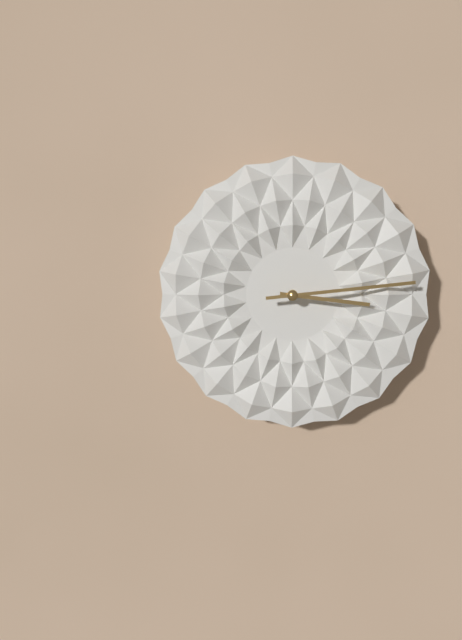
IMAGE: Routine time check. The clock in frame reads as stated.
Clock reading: 3:14
